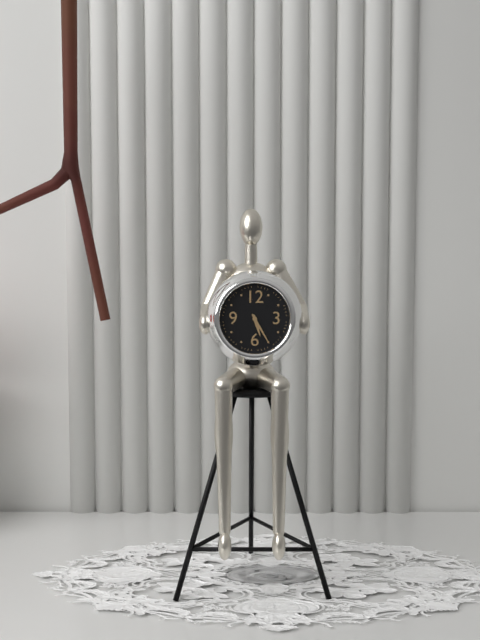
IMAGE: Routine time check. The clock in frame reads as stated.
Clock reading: 5:25
